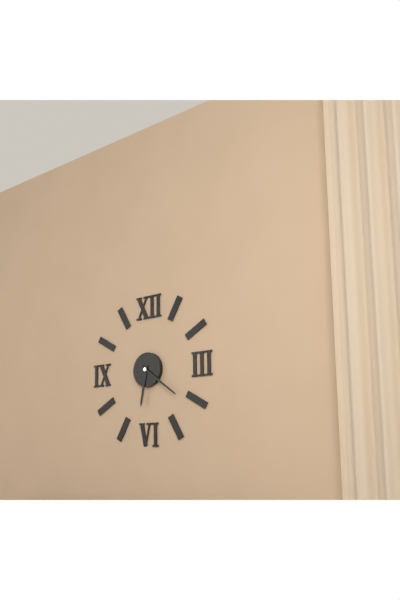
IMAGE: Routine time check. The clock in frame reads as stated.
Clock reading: 6:21
